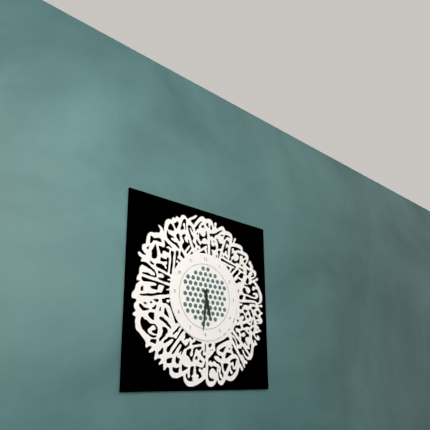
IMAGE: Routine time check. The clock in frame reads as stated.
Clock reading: 5:31
